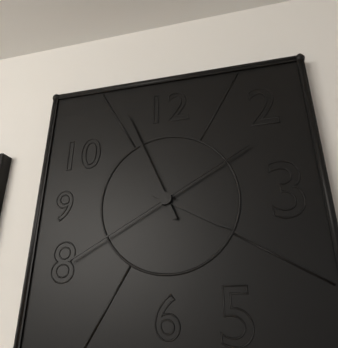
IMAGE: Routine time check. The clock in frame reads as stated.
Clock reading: 3:56:40
